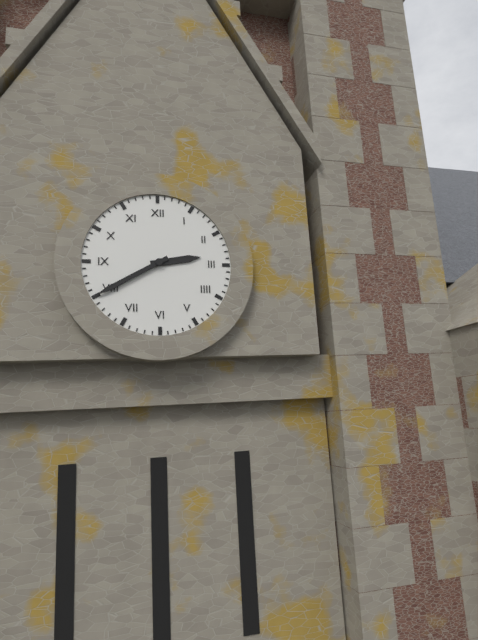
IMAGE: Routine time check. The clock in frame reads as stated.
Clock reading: 2:40
